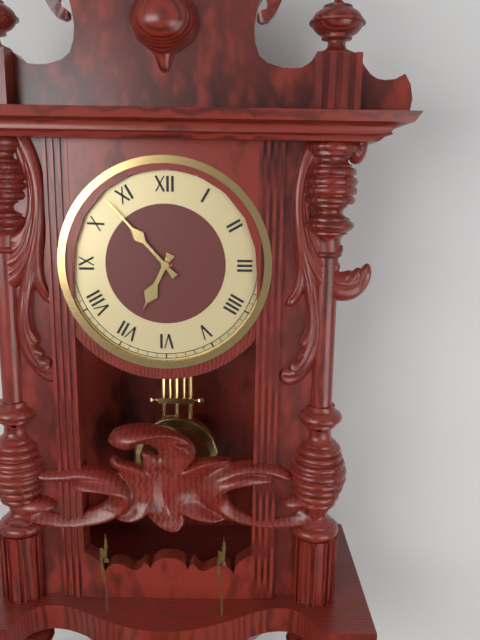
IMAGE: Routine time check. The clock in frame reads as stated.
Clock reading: 6:53
